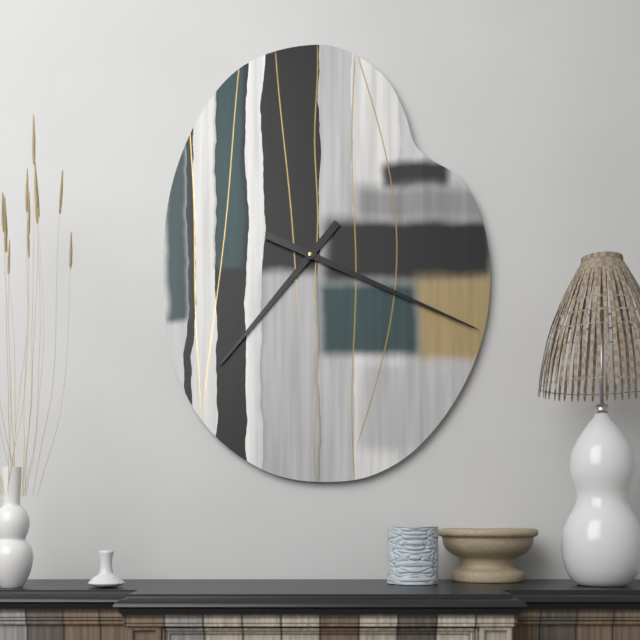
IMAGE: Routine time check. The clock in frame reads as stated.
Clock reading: 7:19
